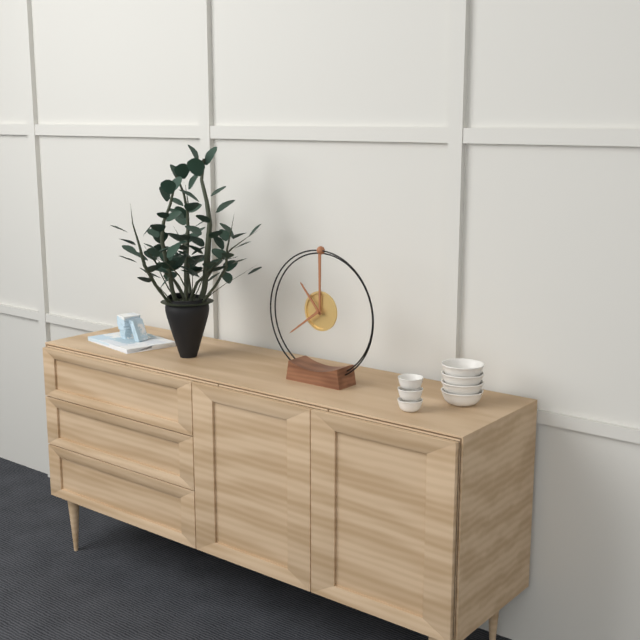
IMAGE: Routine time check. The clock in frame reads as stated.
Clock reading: 10:39
